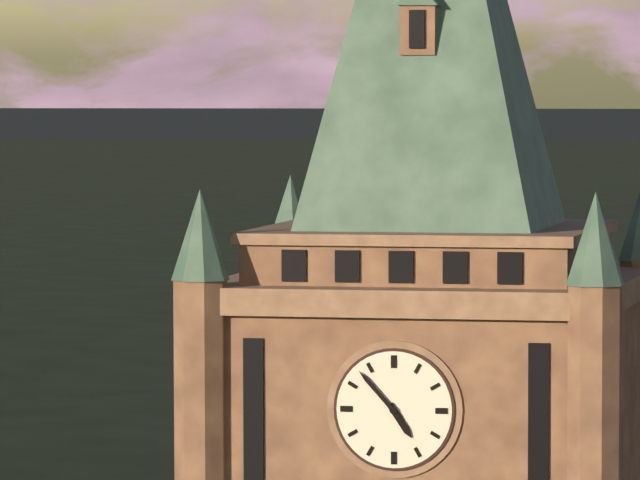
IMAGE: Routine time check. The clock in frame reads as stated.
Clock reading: 4:53
